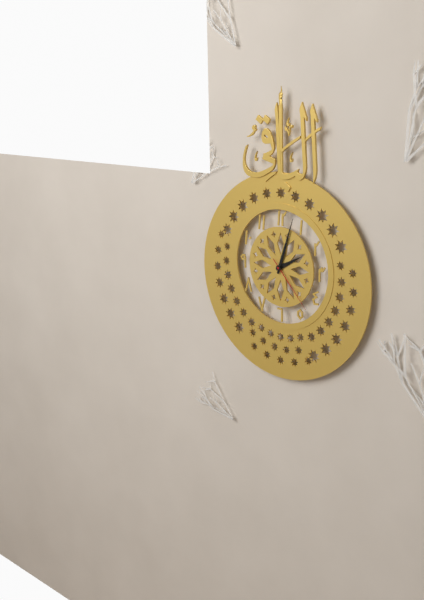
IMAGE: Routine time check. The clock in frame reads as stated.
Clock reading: 2:03:23
